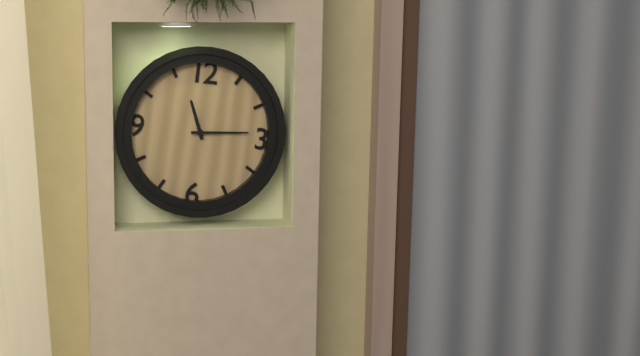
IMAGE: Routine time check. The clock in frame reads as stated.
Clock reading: 11:14
